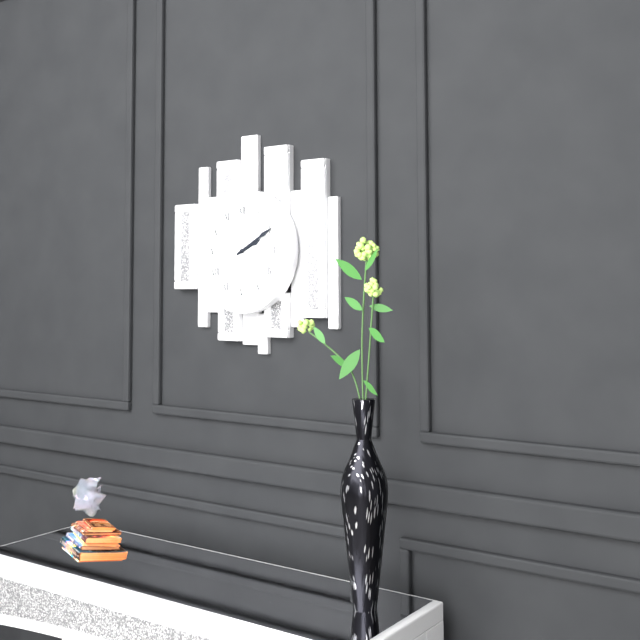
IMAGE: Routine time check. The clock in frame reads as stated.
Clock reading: 2:10
